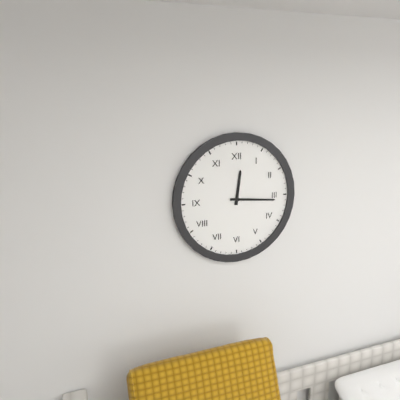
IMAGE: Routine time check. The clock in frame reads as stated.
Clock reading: 12:16
